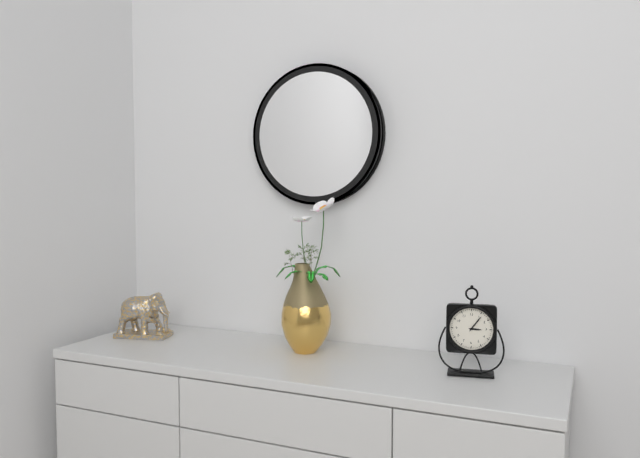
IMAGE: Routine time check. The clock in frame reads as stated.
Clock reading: 3:06
